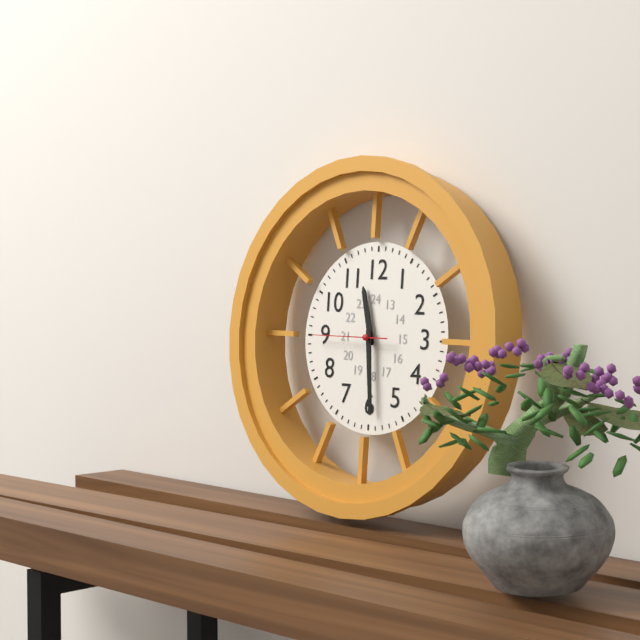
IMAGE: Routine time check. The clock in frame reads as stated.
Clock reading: 11:29:45
